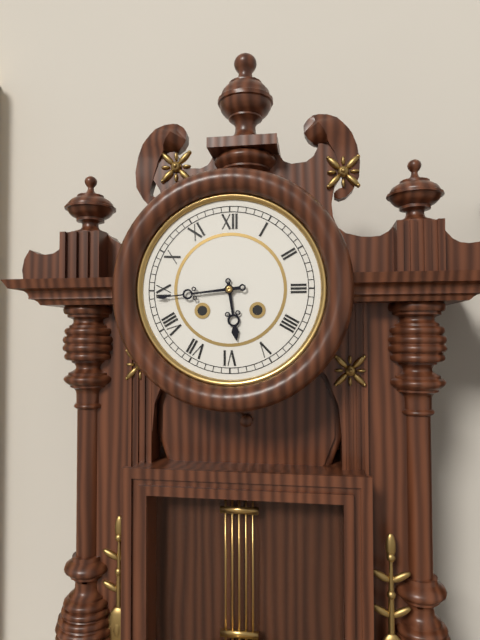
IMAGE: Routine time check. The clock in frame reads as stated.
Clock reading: 5:44
